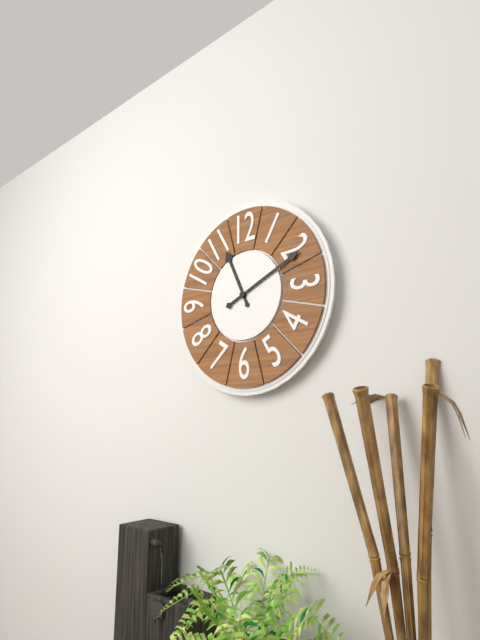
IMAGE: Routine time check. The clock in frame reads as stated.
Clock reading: 11:11
